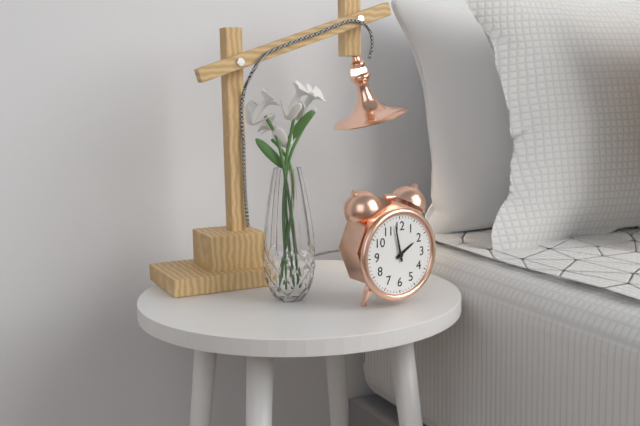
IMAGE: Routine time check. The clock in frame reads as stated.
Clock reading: 1:58
